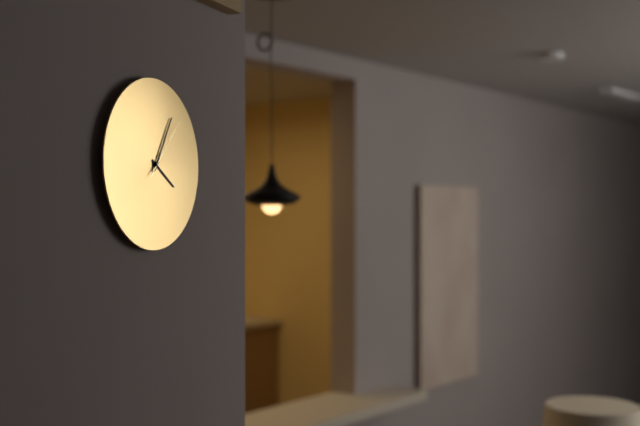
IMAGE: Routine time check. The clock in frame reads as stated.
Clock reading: 4:05:07
